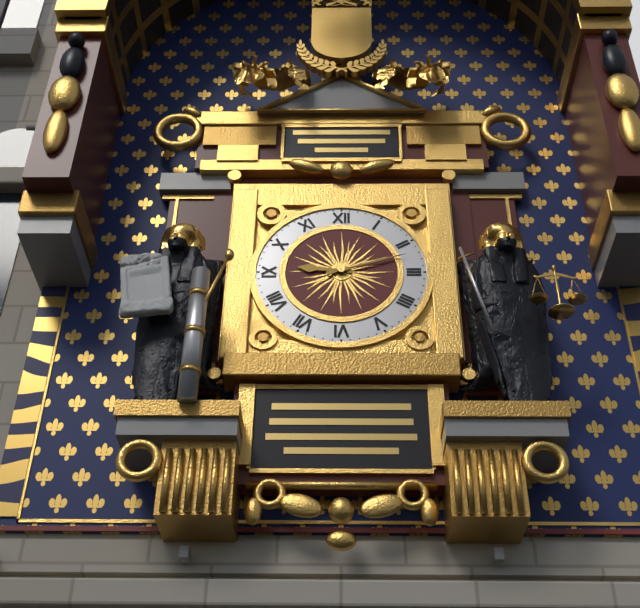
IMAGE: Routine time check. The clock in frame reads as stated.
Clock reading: 9:12
